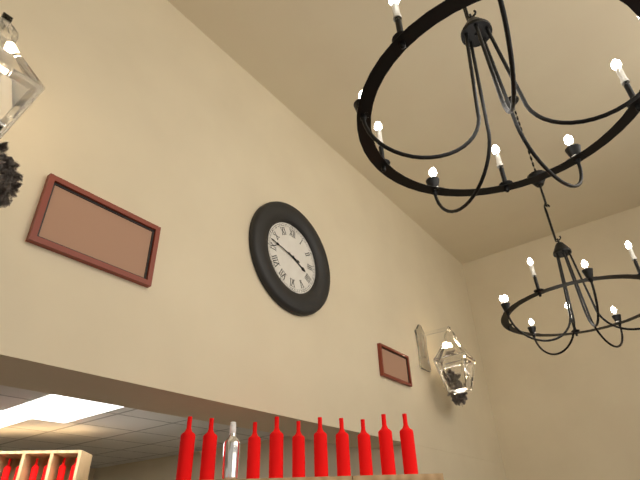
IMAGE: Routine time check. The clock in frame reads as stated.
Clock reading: 3:47
